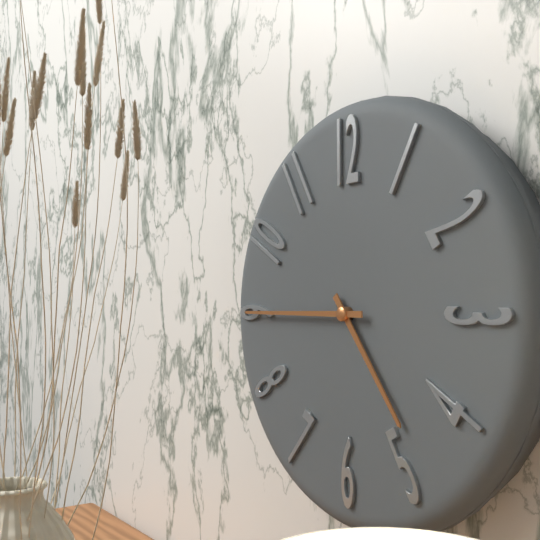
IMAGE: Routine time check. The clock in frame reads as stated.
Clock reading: 4:45
